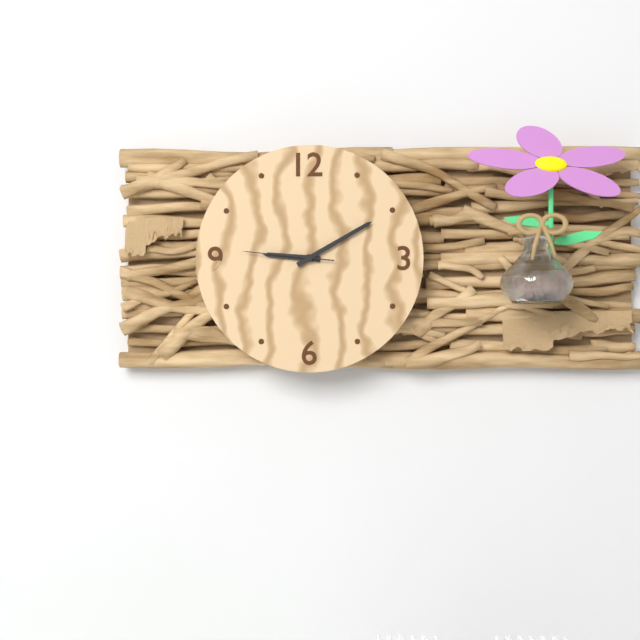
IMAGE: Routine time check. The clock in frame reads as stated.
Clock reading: 9:10:46
